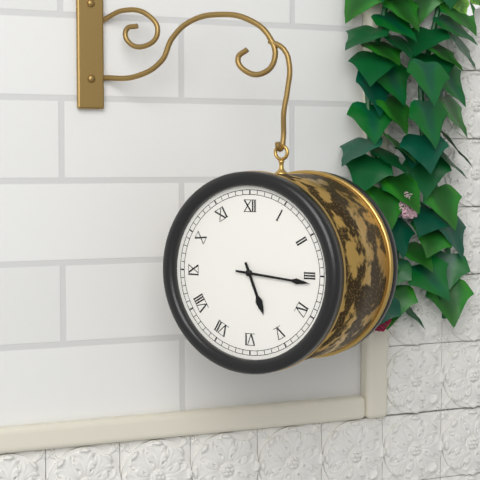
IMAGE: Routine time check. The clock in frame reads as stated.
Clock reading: 5:16
